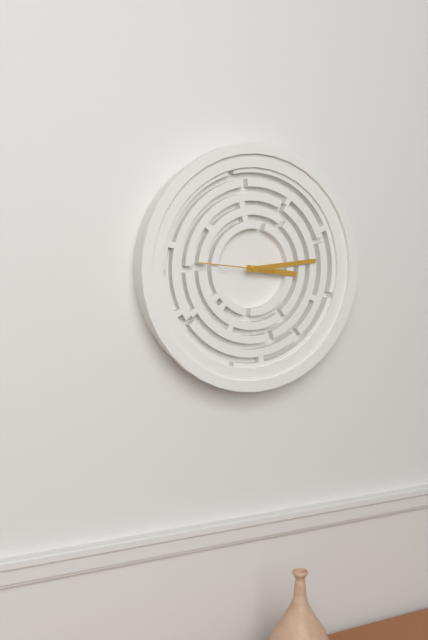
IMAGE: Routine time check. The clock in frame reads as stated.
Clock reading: 3:14:46
